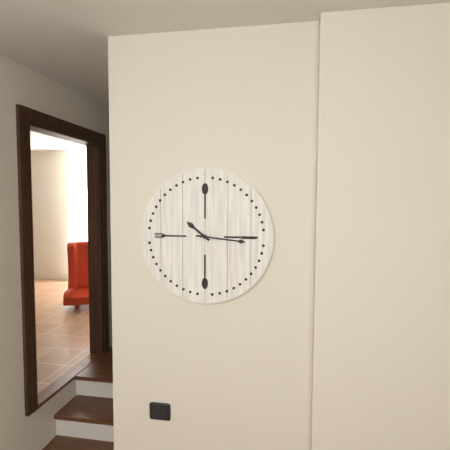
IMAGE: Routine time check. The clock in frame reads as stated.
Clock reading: 10:16
